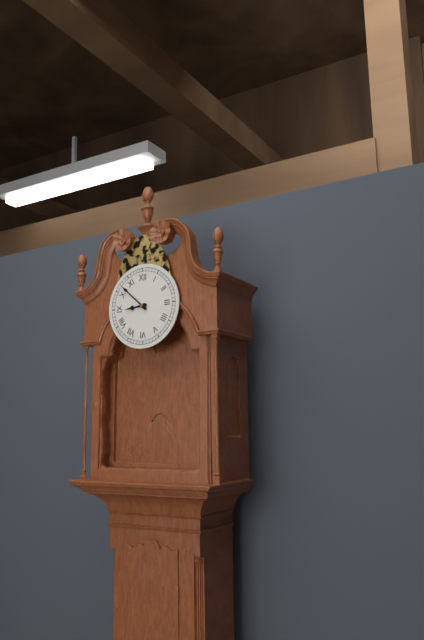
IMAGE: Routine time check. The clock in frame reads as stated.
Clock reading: 8:52
